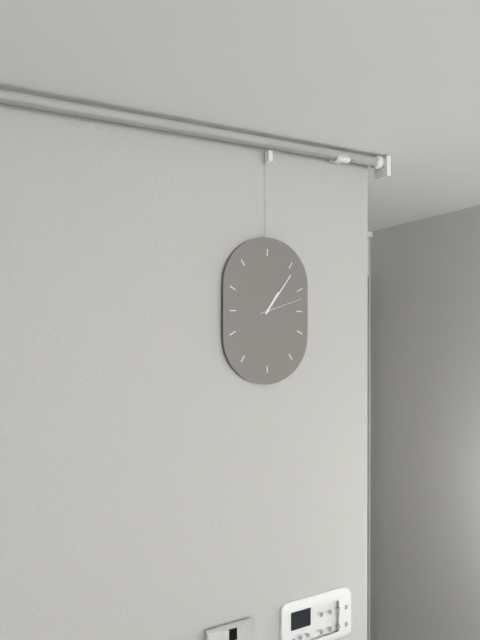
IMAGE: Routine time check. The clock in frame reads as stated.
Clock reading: 1:06
